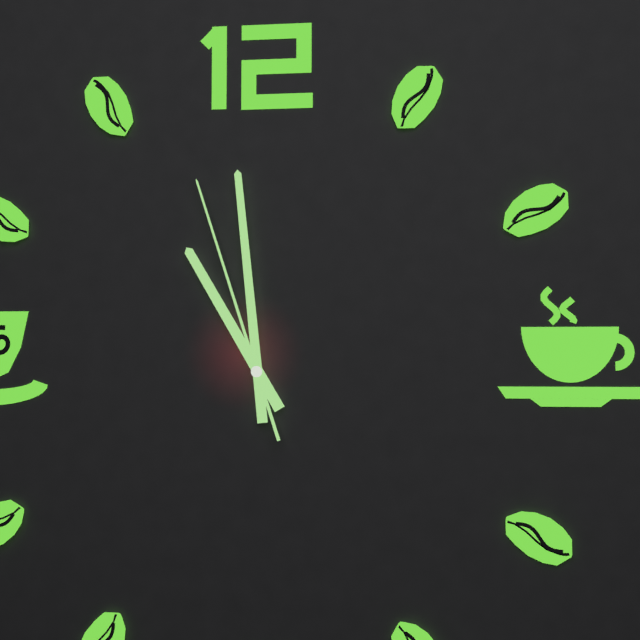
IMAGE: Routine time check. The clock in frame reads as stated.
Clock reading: 10:59:57
